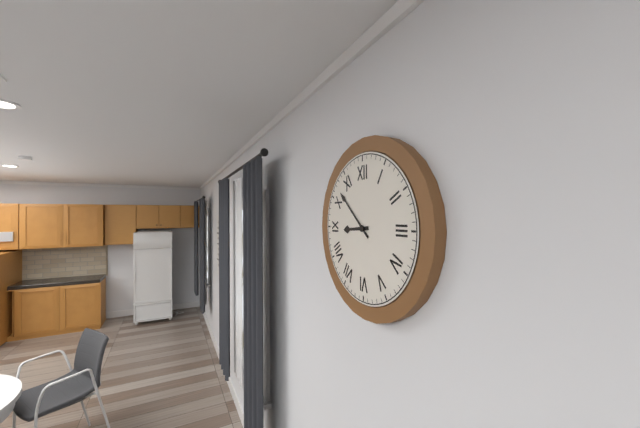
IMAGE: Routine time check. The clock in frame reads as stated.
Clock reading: 8:52
